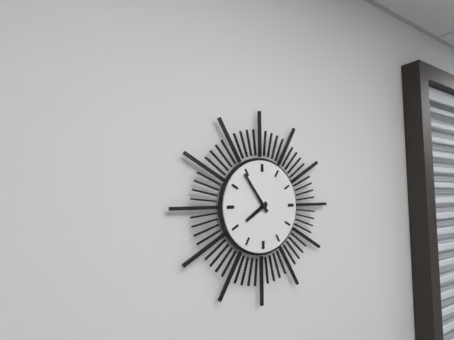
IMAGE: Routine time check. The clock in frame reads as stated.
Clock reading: 7:54
